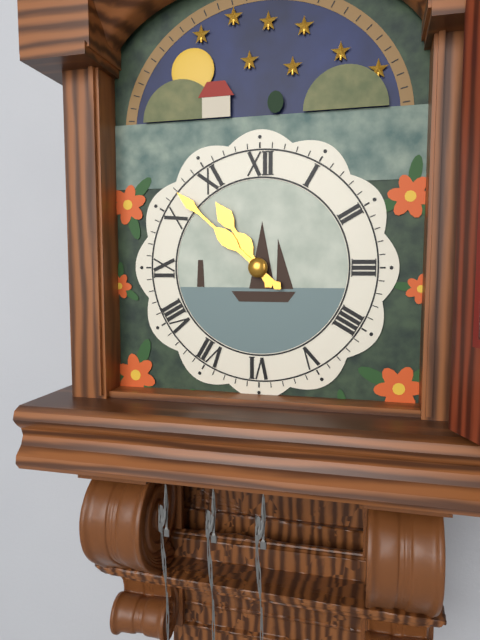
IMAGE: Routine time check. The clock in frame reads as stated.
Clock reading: 10:52
